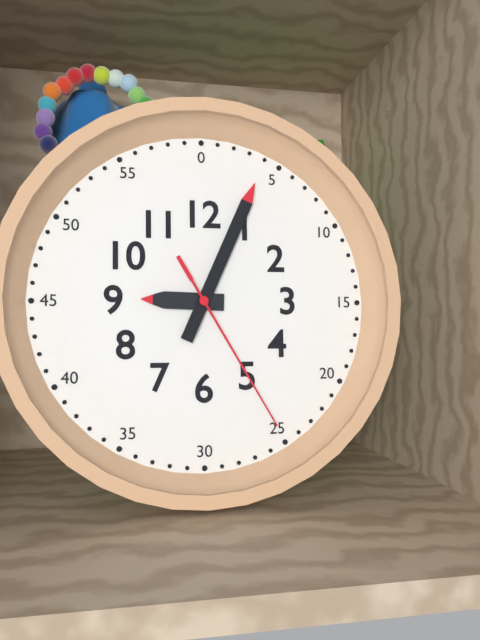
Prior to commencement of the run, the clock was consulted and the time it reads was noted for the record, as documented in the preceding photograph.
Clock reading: 9:04:25
